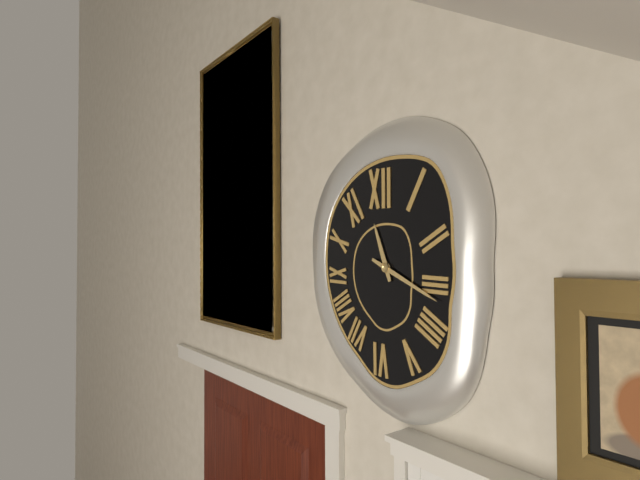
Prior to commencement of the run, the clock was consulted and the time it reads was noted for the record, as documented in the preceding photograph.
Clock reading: 11:19
